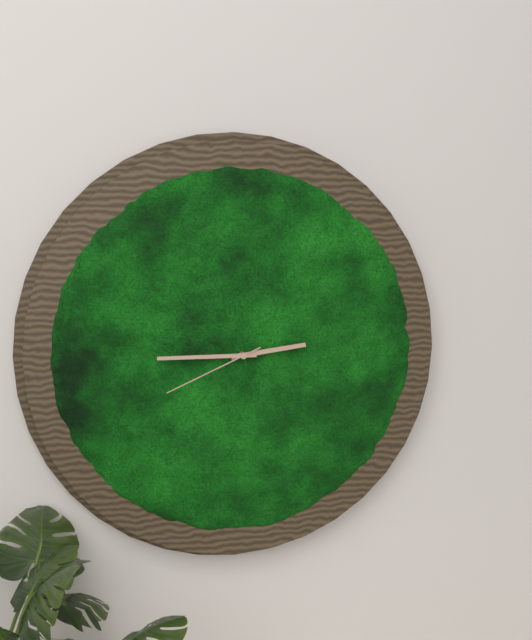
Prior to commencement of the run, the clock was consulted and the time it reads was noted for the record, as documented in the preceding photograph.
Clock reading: 2:45:41
